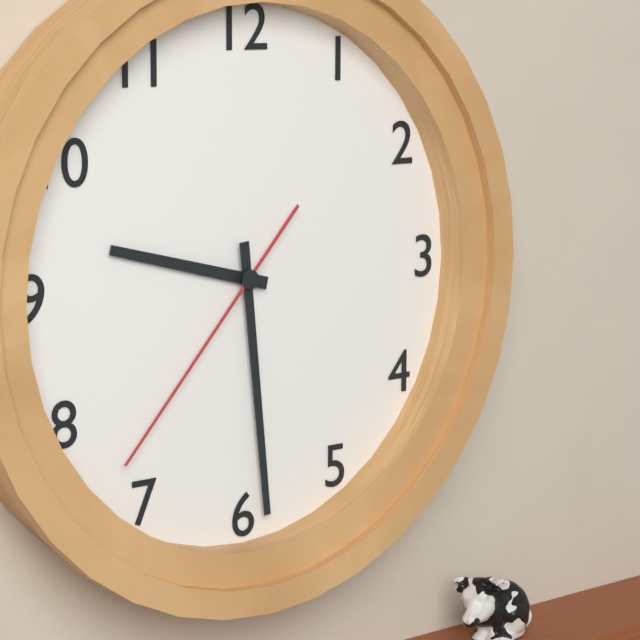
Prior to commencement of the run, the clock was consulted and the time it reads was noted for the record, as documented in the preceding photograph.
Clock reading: 9:29:37
